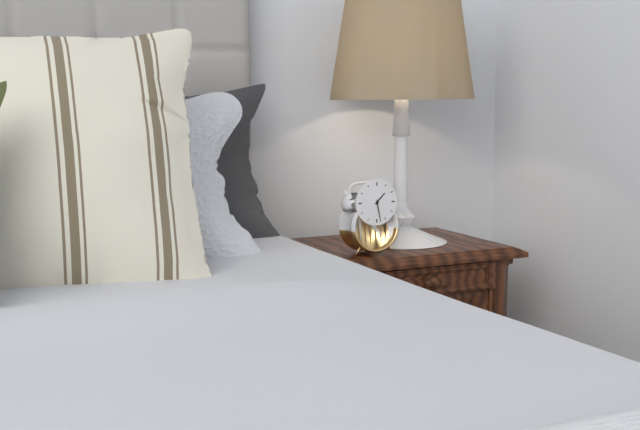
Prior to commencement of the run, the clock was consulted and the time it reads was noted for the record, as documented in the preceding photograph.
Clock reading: 1:28
